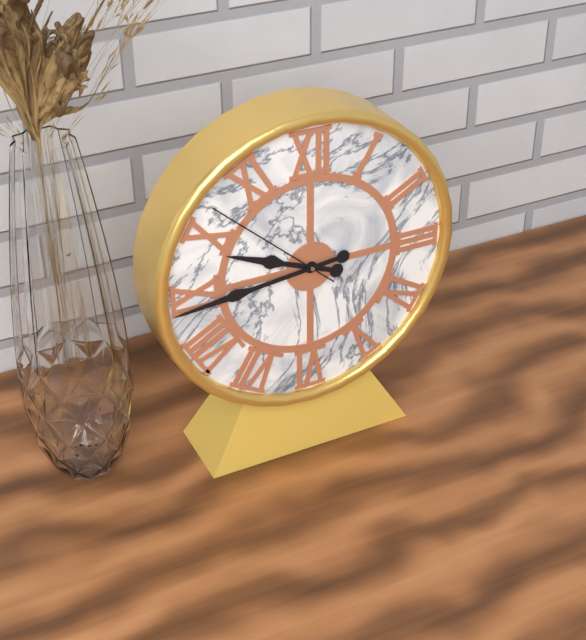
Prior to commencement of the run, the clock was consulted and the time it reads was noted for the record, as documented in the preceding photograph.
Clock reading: 9:44:52
